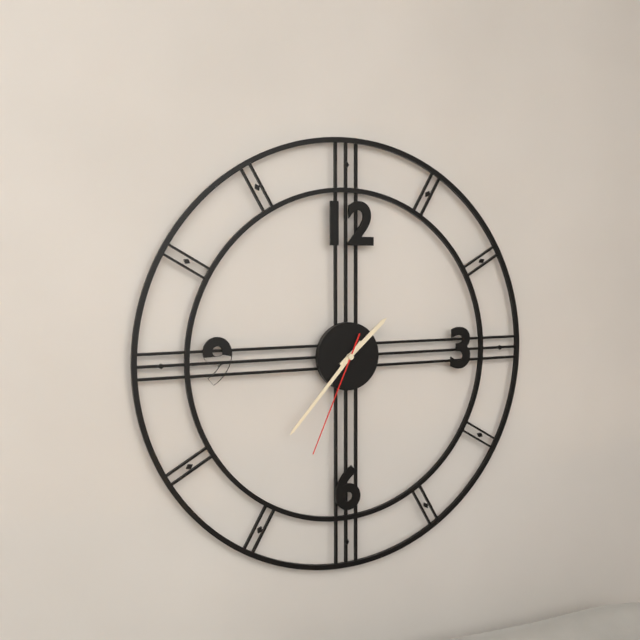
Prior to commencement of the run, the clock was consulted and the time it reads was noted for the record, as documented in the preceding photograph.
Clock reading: 1:37:34
